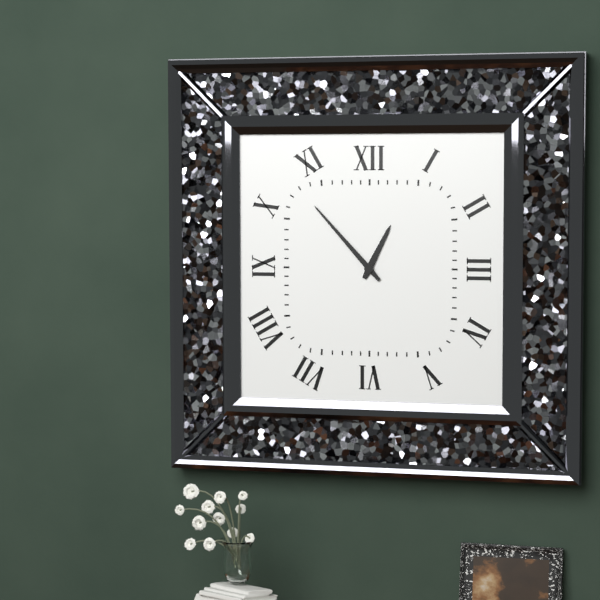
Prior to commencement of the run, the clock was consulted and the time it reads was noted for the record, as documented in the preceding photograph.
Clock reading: 12:53
